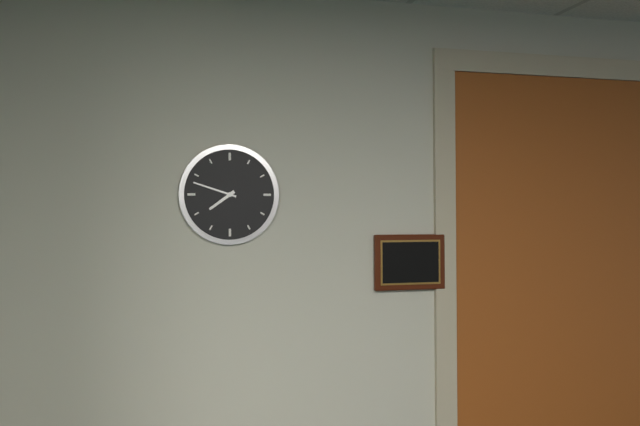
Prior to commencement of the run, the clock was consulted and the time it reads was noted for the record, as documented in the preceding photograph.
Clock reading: 7:48
